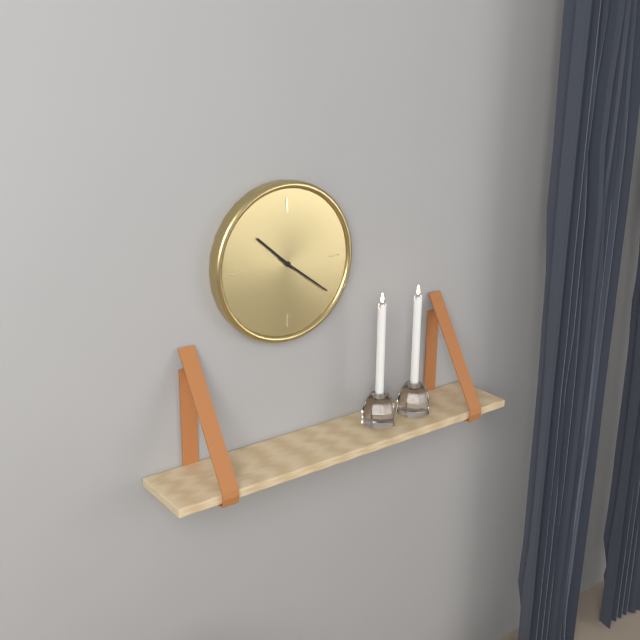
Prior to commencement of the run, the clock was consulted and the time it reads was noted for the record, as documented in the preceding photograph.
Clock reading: 10:21
